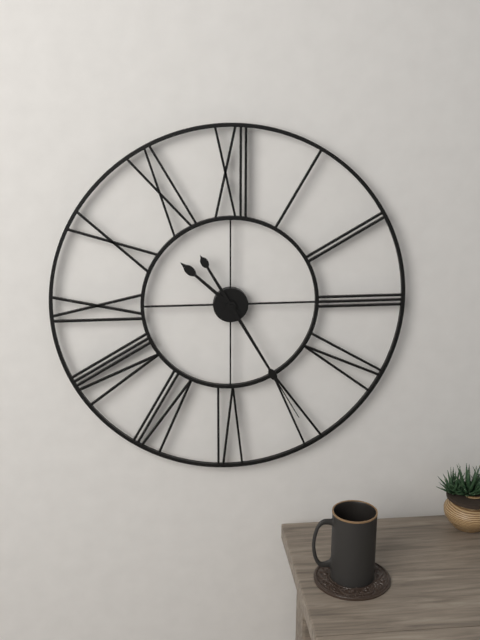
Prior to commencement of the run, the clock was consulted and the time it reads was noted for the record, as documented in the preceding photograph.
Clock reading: 10:25
